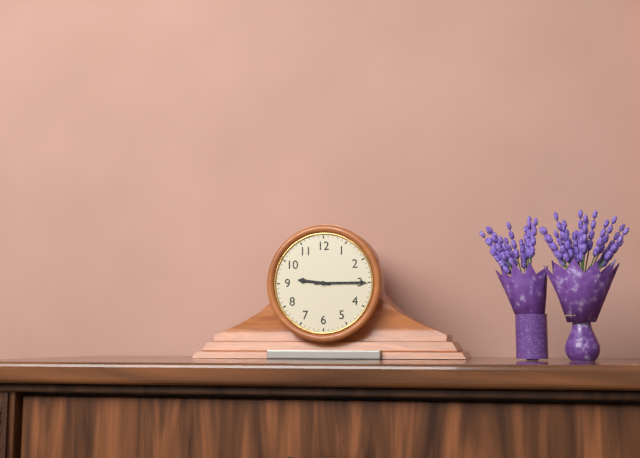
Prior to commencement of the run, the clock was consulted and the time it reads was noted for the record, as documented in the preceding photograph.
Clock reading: 9:15
